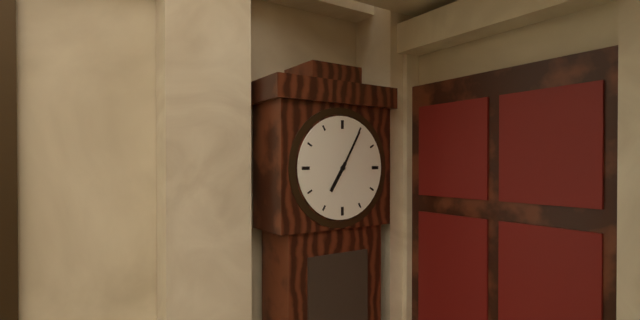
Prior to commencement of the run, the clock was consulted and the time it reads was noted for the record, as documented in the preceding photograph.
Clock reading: 7:05
